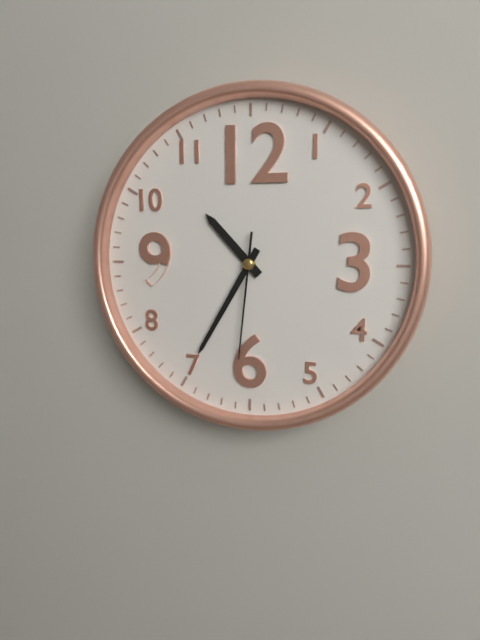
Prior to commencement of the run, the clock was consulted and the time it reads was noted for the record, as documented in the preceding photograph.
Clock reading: 10:35:31
